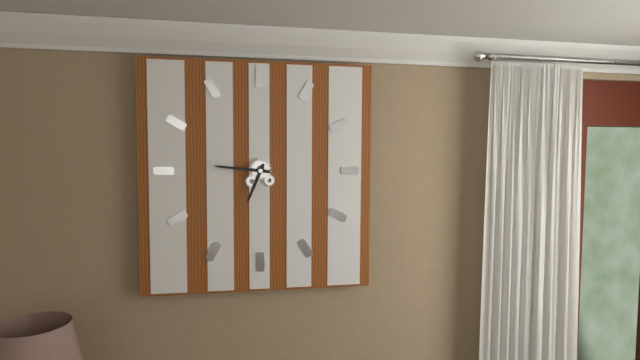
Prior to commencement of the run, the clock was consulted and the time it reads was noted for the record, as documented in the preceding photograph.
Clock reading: 6:46
